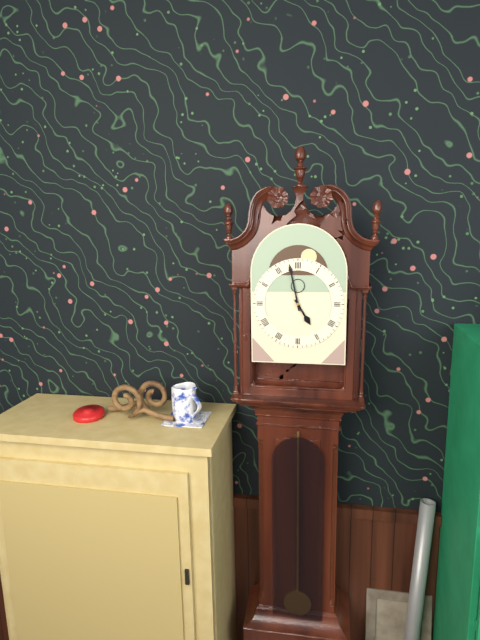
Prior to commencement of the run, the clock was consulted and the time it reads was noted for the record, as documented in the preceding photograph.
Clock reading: 4:58
